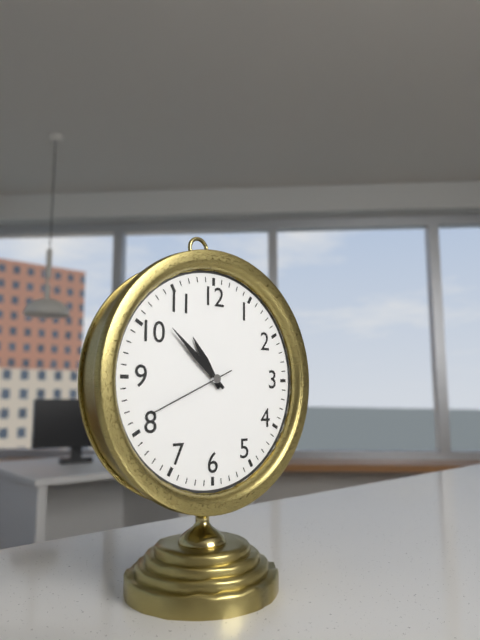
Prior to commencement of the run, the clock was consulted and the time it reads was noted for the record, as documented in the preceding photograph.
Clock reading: 10:52:41
